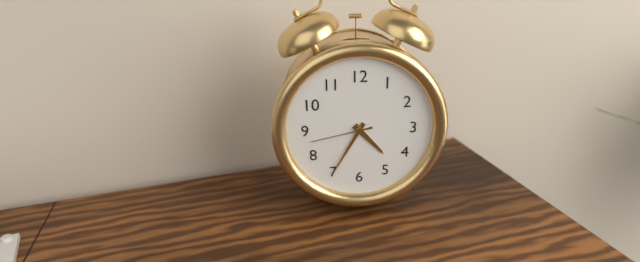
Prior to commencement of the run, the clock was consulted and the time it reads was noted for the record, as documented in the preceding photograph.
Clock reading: 4:35:43
